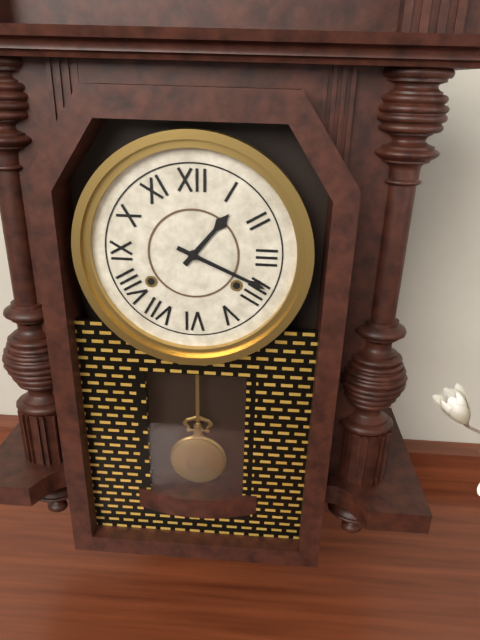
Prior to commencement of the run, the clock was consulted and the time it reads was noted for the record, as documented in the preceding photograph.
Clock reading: 1:19
